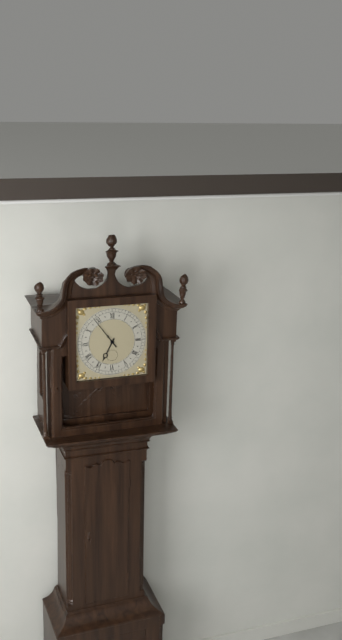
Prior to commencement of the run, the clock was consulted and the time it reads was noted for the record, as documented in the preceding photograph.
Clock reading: 6:54
